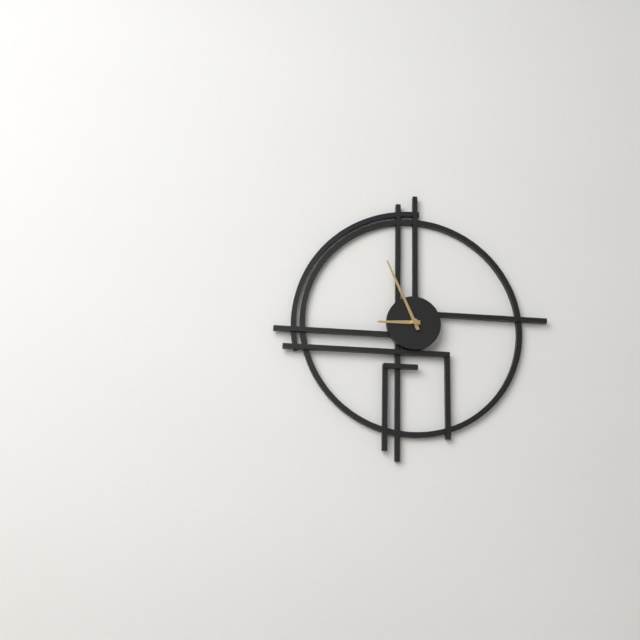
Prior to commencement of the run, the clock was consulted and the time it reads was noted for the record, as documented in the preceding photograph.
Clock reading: 8:56
